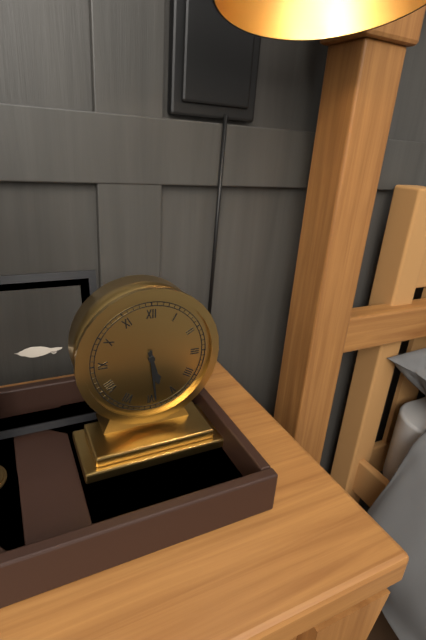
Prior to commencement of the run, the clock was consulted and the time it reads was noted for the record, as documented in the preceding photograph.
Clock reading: 5:29
